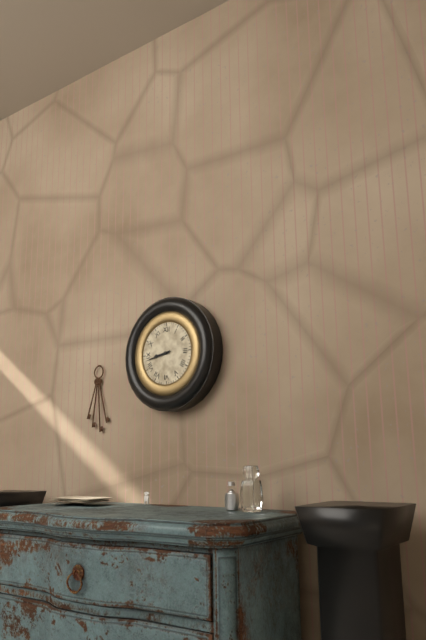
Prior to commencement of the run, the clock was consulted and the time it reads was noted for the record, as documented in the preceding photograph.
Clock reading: 8:43
